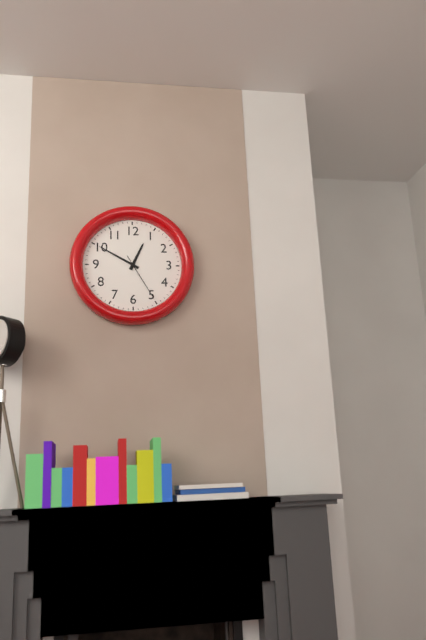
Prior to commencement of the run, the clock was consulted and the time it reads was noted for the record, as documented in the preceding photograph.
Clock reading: 12:50:25
